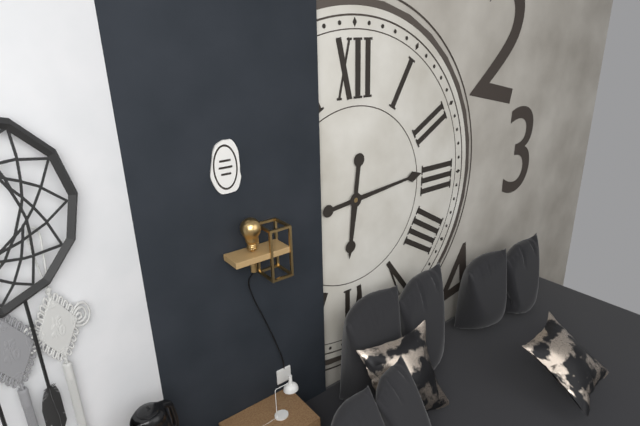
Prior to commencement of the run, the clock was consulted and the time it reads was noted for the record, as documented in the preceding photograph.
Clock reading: 6:14
